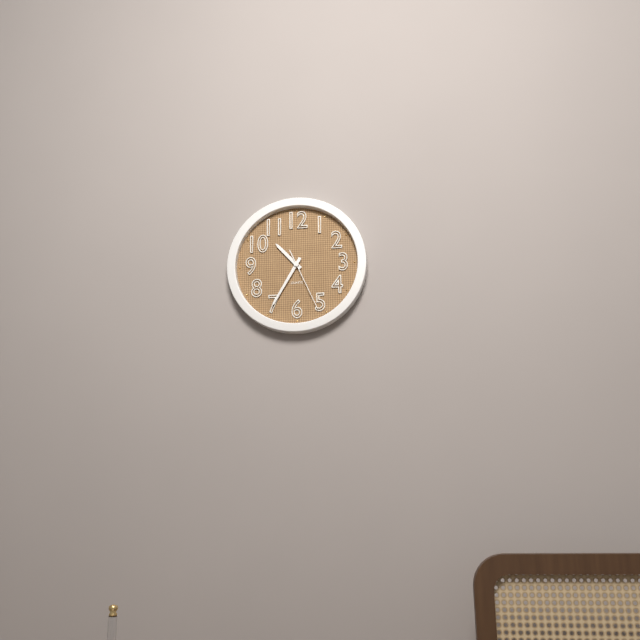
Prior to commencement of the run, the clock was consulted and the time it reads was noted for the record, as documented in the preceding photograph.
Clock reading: 10:35:26
